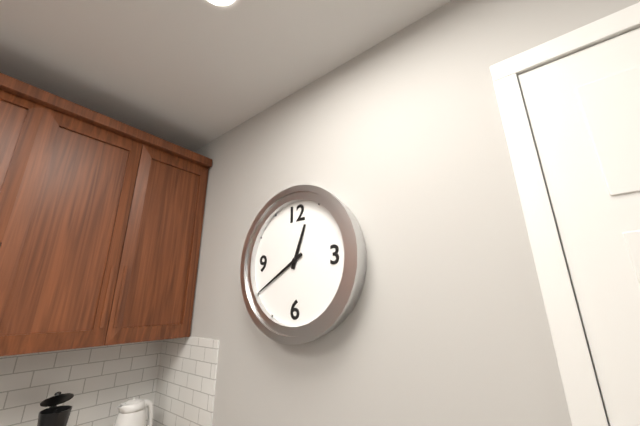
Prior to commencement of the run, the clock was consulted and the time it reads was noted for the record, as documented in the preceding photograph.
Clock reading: 12:40
